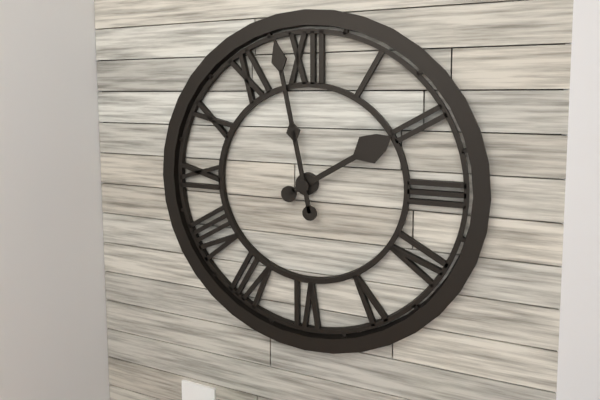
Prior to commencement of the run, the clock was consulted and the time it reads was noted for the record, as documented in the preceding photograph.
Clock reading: 1:58
